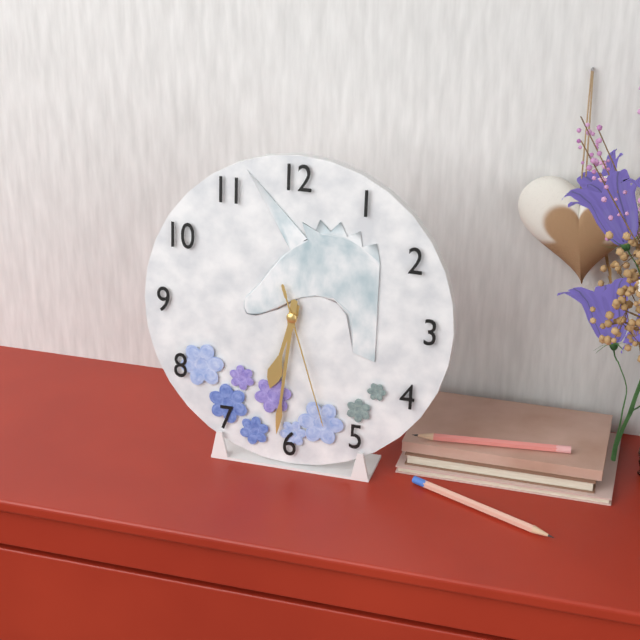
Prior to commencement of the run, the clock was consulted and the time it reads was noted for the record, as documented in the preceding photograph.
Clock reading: 6:31:27
